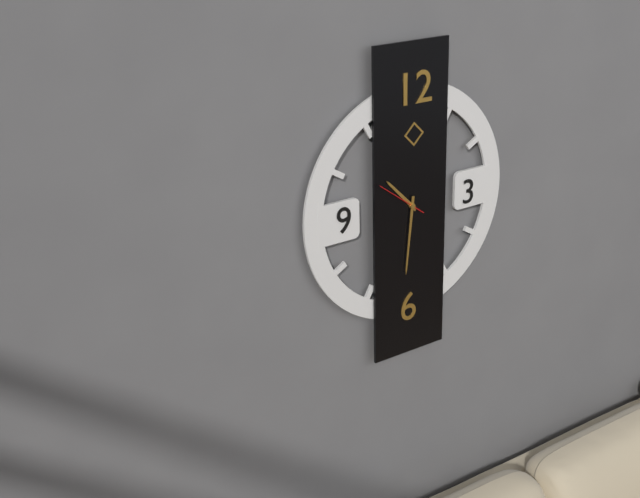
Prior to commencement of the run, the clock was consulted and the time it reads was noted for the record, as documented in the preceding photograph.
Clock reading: 10:31
